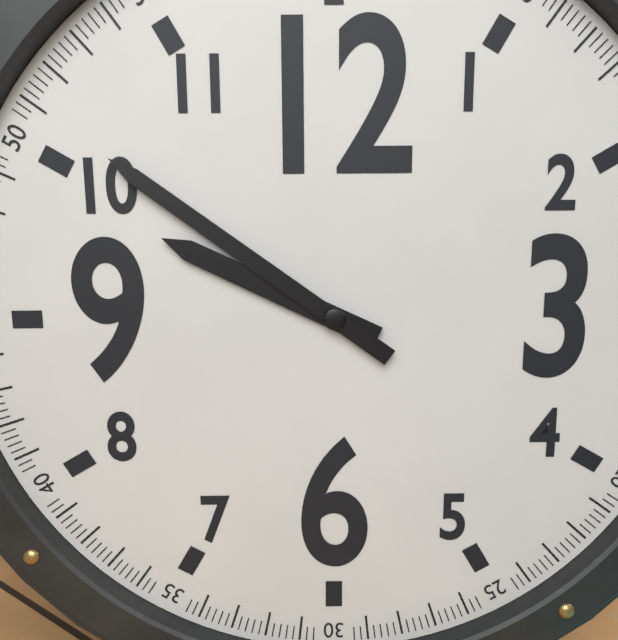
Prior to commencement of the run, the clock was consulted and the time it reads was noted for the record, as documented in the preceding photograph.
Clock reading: 9:51
